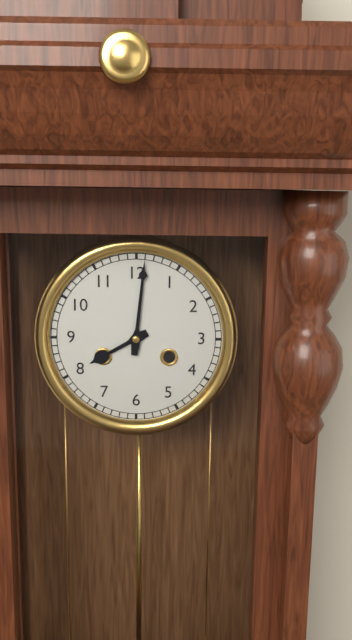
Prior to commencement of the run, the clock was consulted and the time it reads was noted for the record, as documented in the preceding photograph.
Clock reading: 8:01
